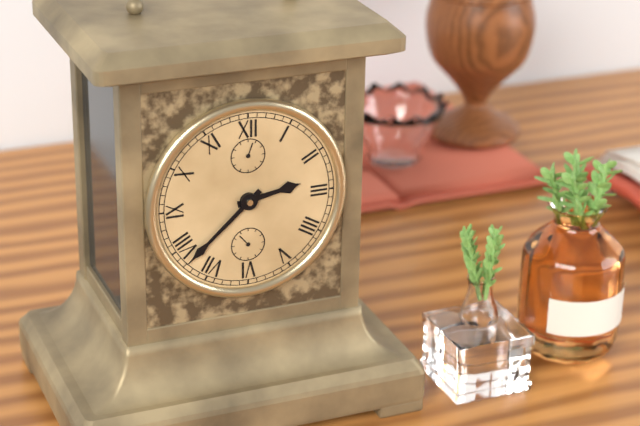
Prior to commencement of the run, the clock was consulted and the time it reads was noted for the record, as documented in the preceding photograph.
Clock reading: 2:38
